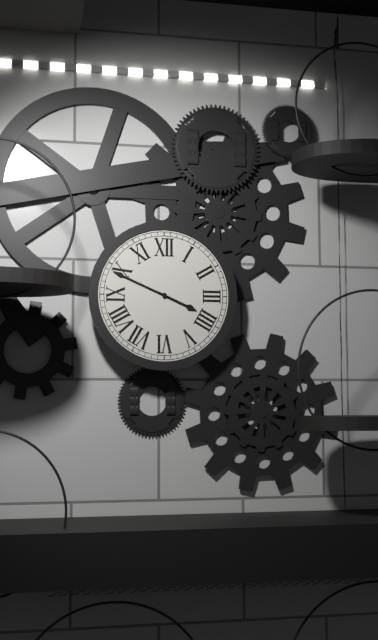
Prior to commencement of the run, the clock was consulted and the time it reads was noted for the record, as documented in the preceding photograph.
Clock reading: 3:49
